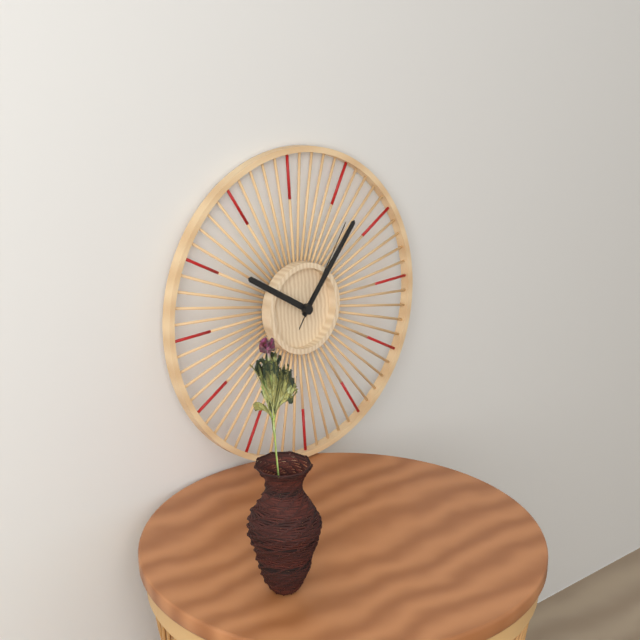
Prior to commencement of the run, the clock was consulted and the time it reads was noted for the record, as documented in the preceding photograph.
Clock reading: 10:07:06
